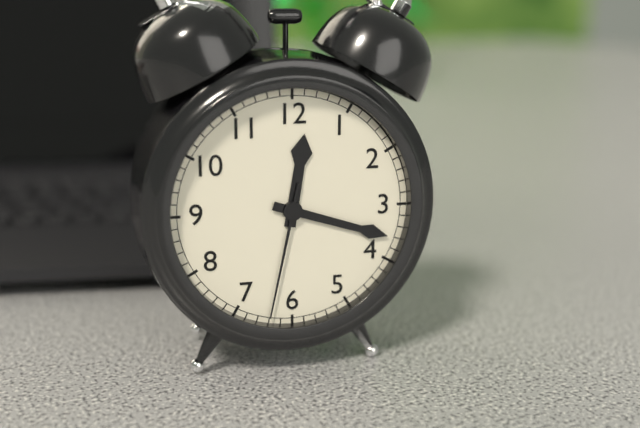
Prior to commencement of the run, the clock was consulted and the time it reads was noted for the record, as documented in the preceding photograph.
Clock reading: 12:18:32
